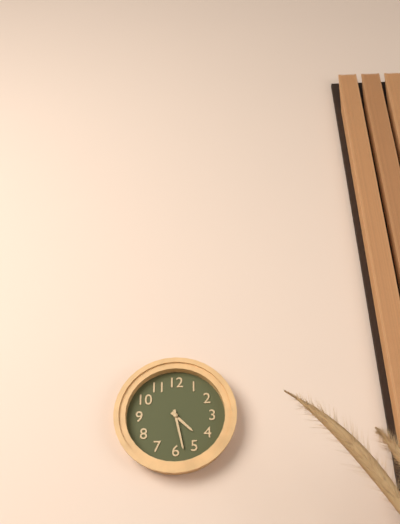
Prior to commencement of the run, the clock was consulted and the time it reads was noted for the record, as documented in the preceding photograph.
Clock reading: 4:28
